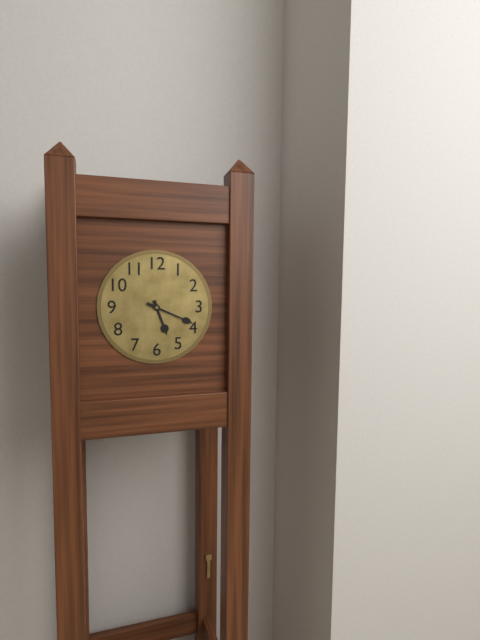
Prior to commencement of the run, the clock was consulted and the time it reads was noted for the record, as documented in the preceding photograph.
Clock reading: 5:19
